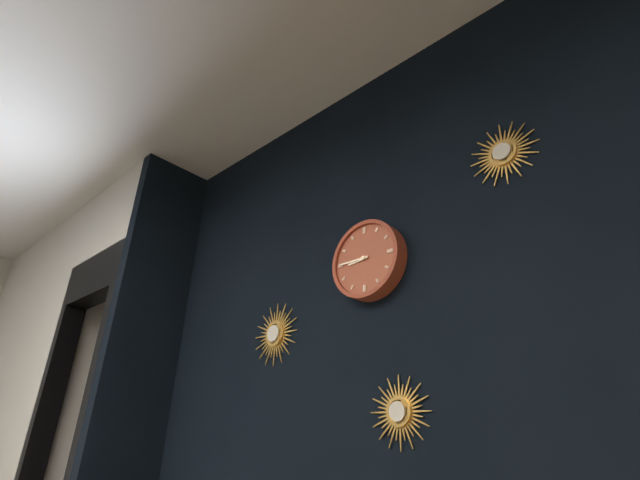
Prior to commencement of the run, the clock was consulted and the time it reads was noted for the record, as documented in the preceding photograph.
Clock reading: 8:45
